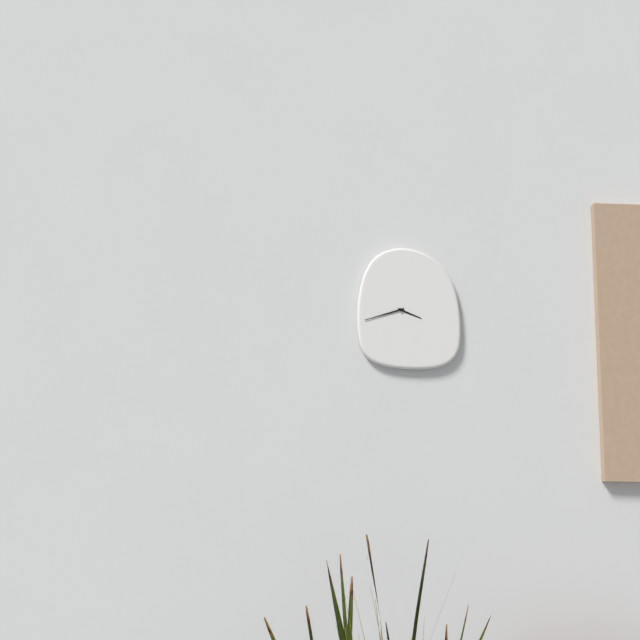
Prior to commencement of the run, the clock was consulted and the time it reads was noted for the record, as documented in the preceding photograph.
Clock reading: 3:42
